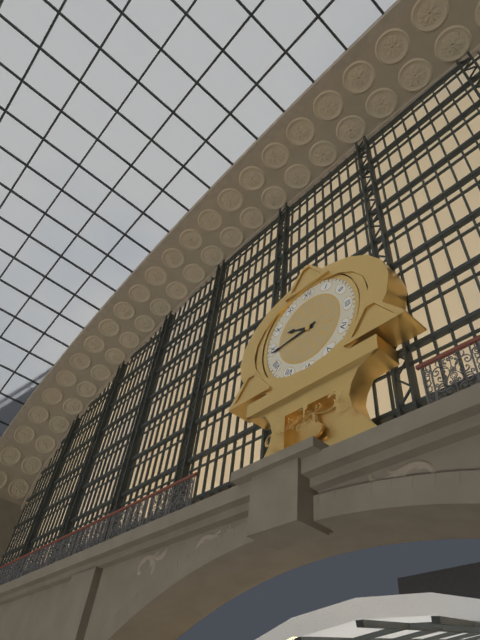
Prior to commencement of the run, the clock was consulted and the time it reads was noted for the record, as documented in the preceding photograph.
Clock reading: 9:44
